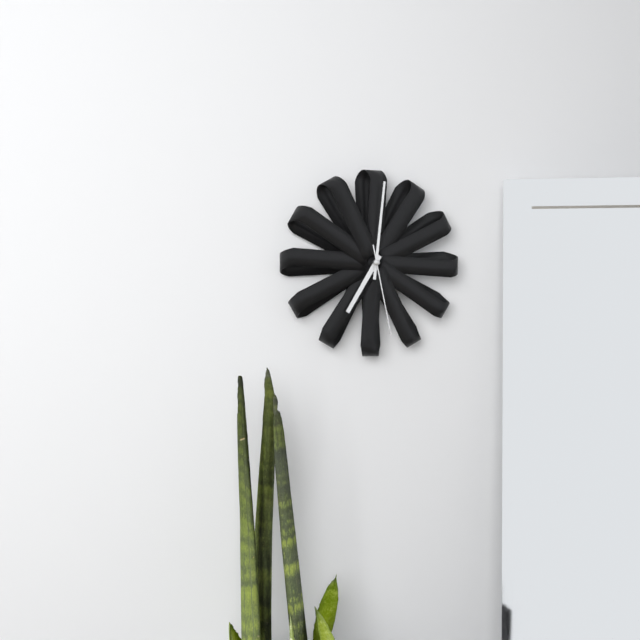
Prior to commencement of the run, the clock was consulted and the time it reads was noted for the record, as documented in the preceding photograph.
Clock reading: 7:01:28
